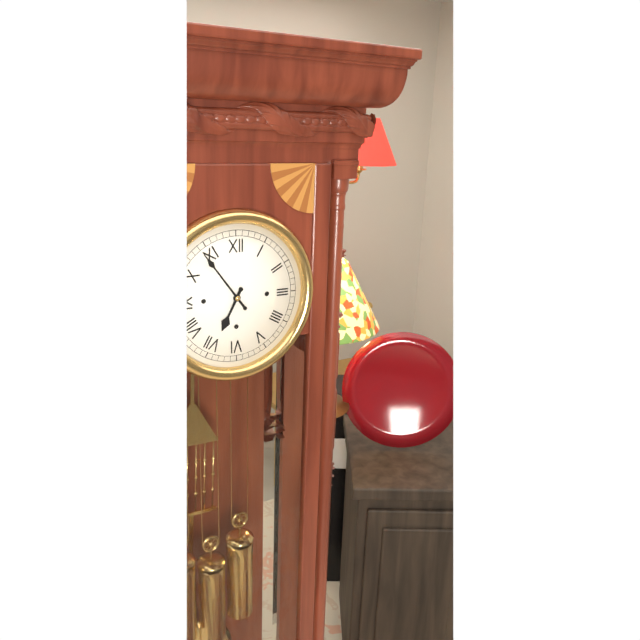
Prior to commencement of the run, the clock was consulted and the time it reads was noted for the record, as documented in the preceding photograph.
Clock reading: 6:54
